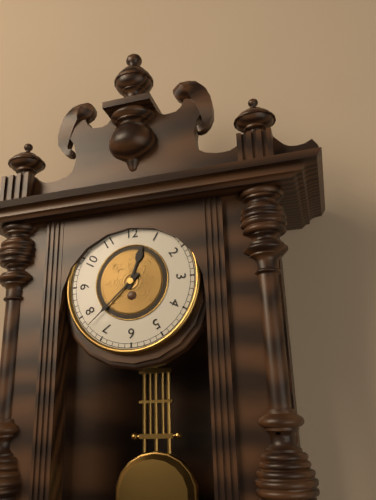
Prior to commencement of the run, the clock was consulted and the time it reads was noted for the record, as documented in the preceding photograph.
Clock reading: 12:38
